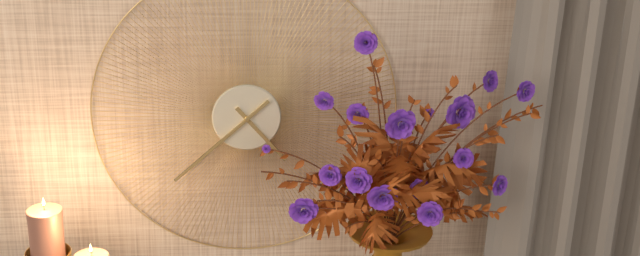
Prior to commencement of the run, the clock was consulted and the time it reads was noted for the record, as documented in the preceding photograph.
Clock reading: 4:38
